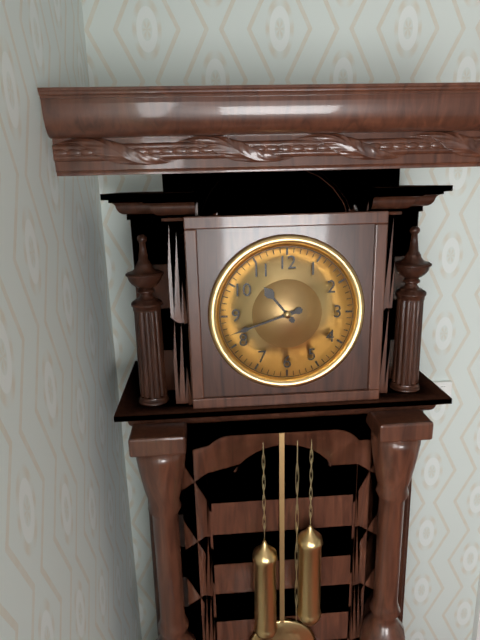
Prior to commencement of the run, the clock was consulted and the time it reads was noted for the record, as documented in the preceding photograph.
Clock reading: 10:42
